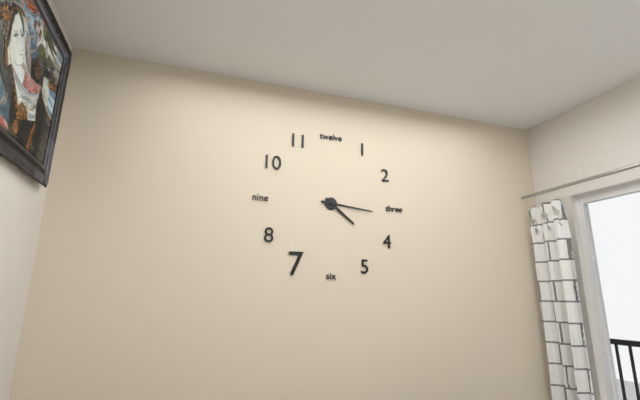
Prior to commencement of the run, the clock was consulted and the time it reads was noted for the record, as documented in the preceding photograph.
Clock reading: 4:16
